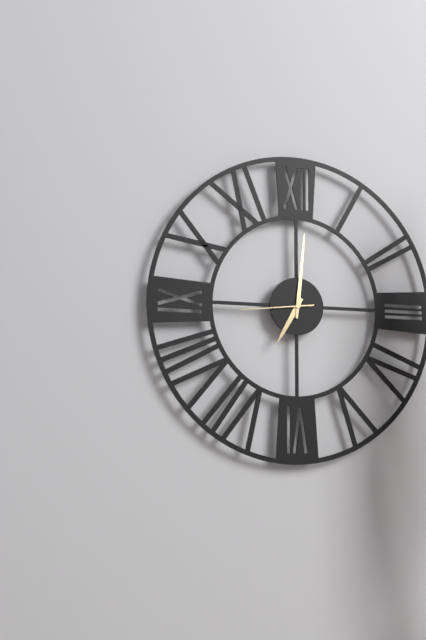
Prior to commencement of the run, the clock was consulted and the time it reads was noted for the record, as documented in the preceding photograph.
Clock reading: 7:01:44
